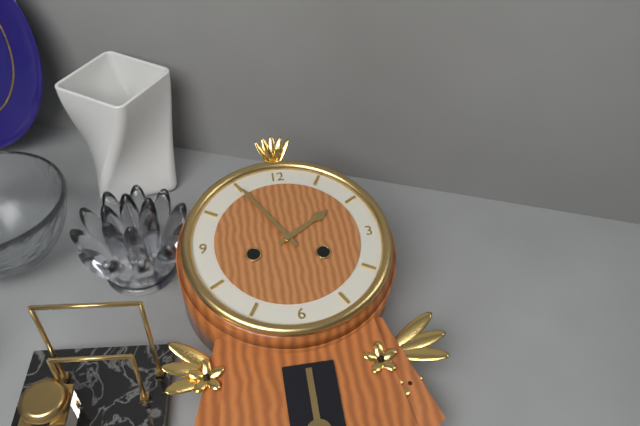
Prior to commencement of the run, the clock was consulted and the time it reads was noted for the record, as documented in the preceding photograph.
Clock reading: 1:55
